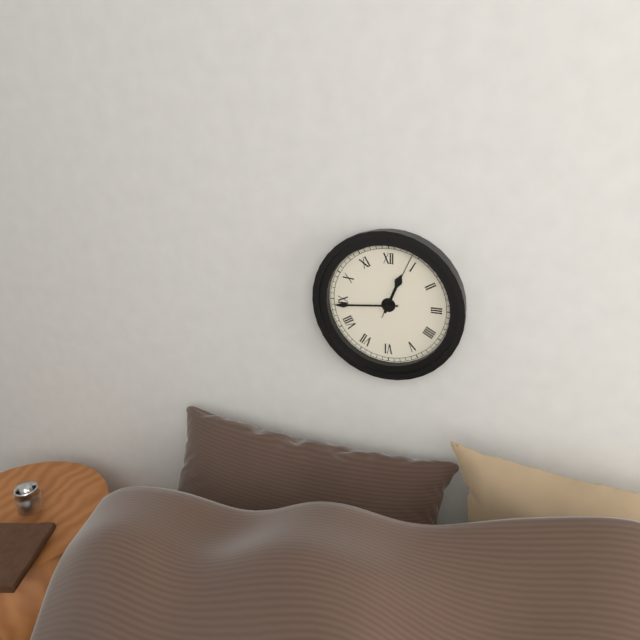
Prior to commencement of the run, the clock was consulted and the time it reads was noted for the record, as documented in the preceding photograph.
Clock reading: 12:44:04
